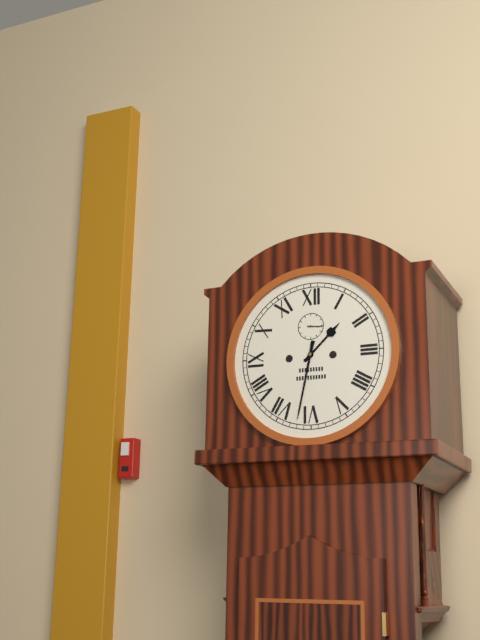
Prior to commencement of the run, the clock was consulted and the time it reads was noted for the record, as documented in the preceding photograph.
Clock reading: 1:32
